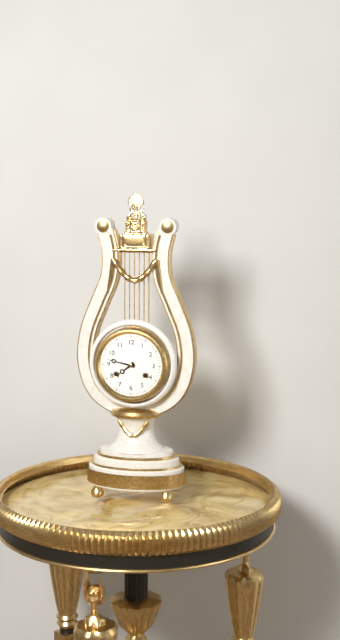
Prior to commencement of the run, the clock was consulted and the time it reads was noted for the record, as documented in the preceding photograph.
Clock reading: 7:47
